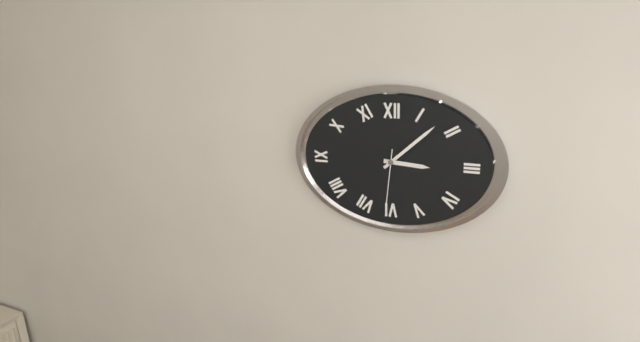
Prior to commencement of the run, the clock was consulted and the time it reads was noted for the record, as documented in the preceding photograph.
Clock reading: 3:08:31
